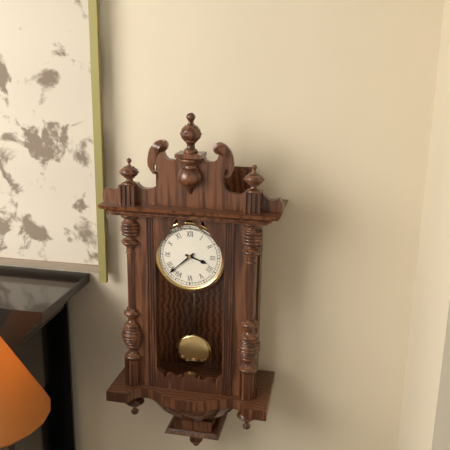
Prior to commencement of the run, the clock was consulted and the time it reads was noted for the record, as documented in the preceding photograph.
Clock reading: 3:38
